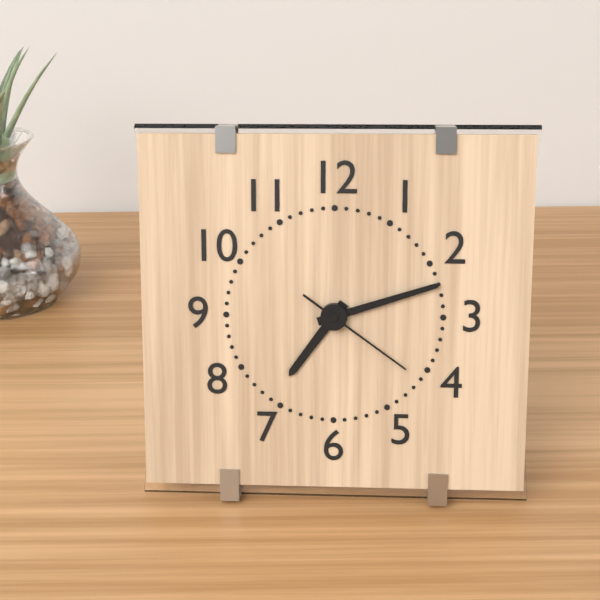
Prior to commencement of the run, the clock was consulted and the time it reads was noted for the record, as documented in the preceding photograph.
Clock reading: 7:12:21
